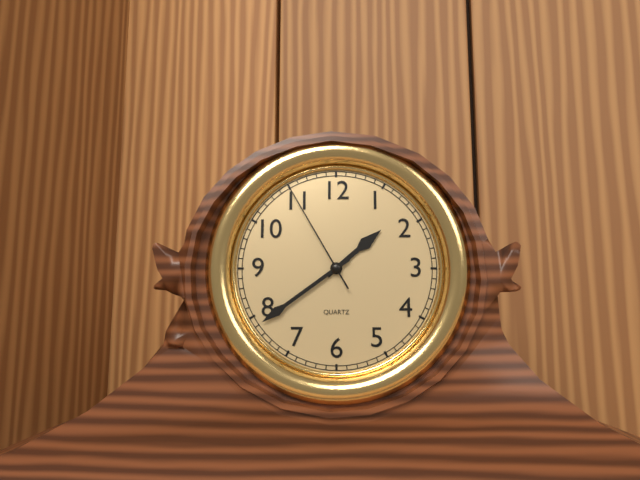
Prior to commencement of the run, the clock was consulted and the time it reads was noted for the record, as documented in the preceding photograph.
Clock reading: 1:39:55
